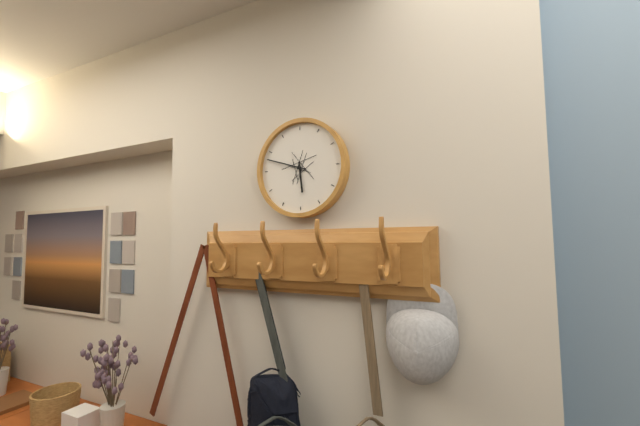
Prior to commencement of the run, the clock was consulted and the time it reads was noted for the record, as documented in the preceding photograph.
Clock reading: 5:48
